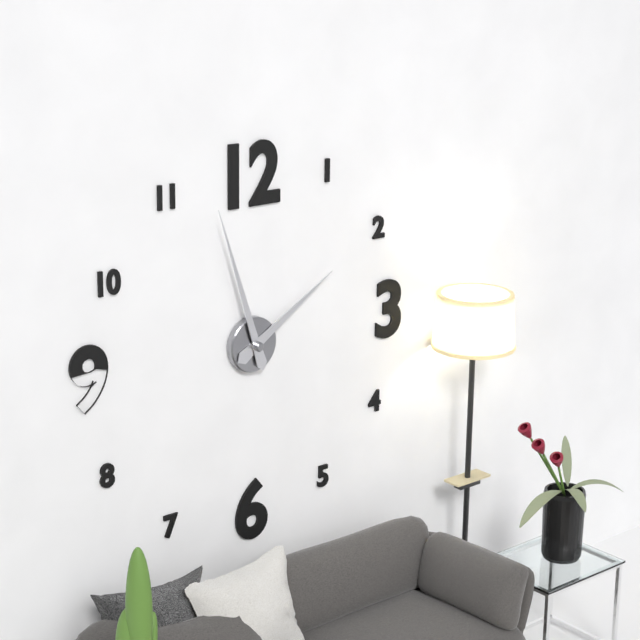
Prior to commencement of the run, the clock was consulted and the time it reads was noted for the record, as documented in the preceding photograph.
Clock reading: 1:57
